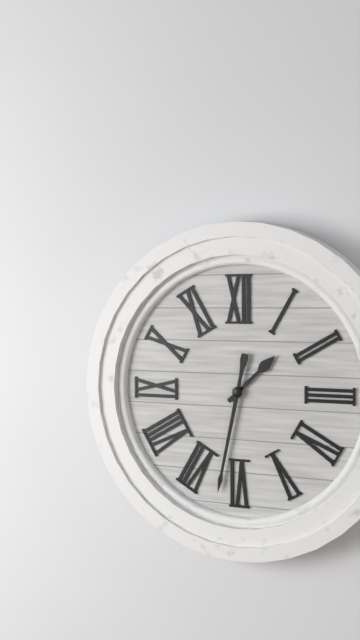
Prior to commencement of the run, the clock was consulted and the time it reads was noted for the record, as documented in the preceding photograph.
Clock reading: 1:32
